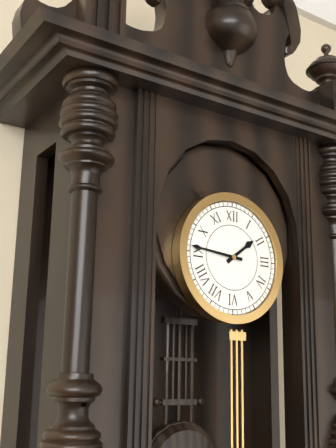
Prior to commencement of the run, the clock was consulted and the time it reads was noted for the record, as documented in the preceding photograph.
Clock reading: 1:46
